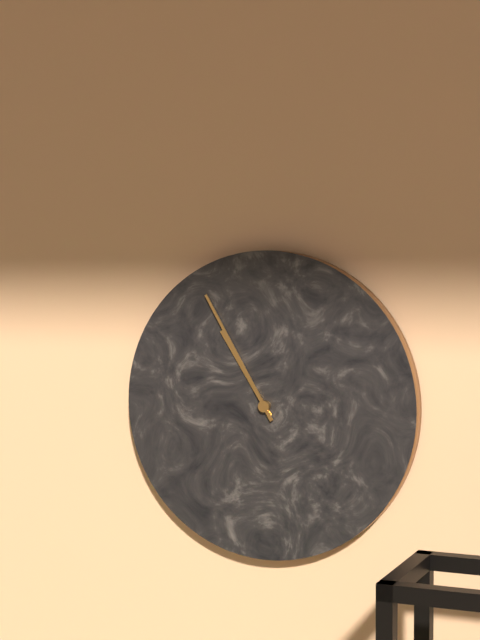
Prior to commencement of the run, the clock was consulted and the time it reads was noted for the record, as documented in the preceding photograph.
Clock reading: 10:55
